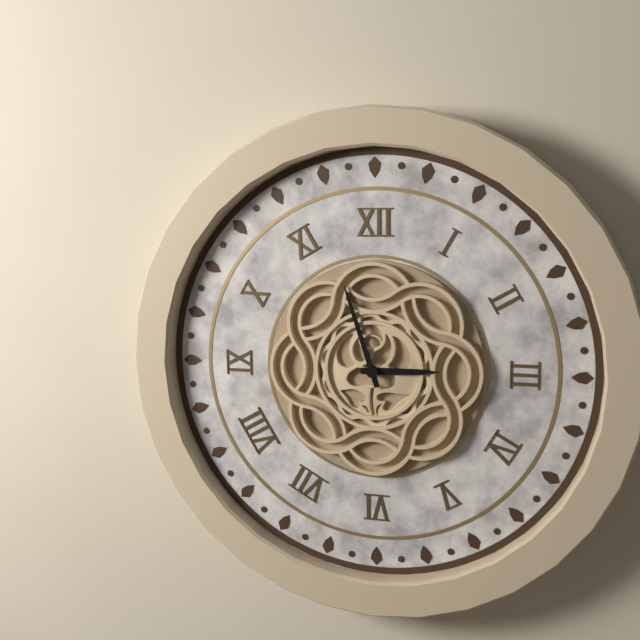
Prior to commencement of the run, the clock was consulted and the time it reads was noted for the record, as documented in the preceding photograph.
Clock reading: 2:57
